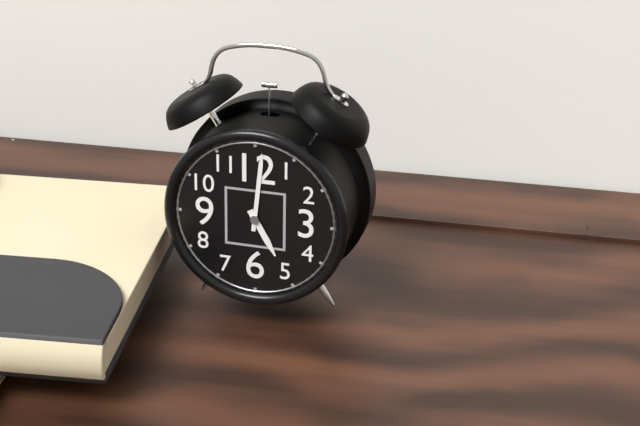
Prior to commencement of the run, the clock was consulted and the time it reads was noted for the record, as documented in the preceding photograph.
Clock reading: 5:01
